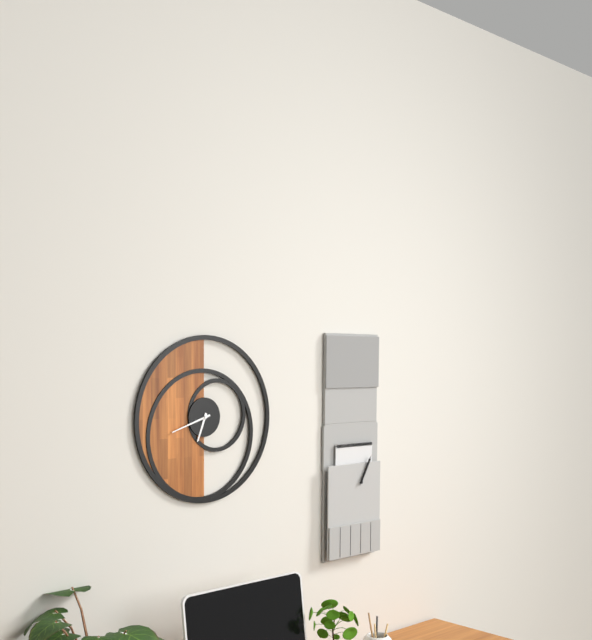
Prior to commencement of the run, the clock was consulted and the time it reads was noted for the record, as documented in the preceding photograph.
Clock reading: 6:42
